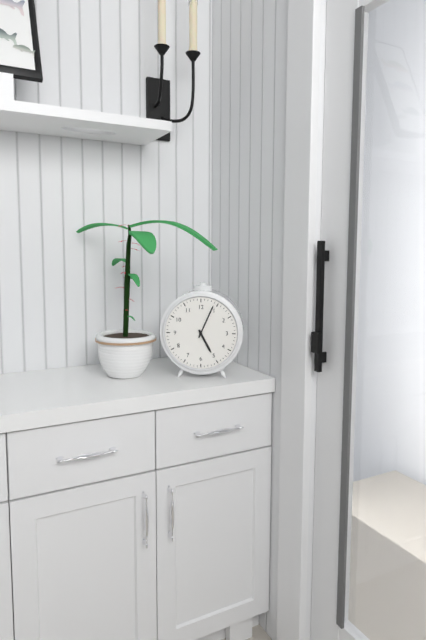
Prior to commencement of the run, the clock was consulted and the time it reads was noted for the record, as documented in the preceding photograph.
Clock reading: 5:04
